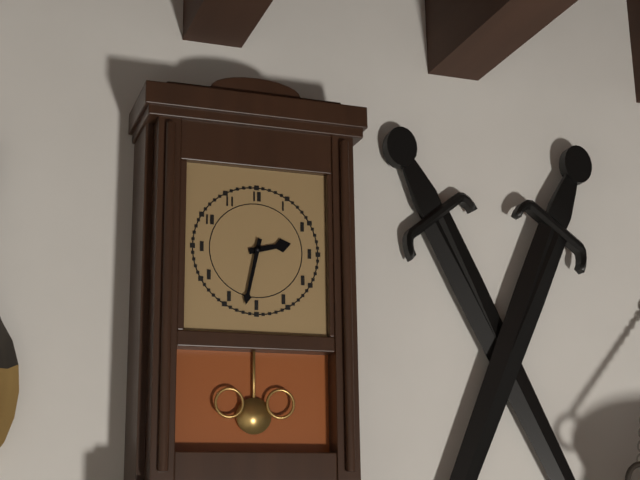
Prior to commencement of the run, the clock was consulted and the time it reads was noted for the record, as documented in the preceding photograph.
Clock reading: 2:32
